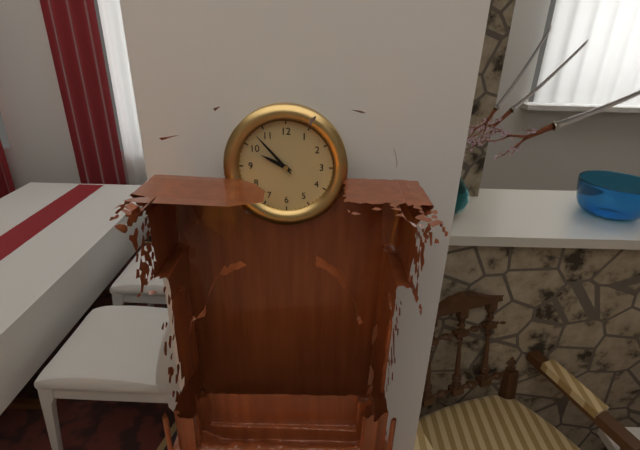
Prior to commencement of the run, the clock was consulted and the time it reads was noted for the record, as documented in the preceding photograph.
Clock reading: 9:53
